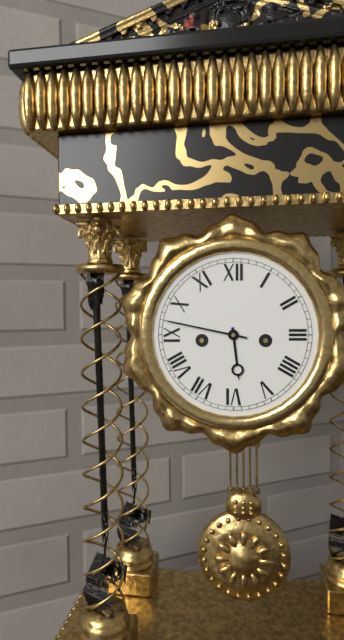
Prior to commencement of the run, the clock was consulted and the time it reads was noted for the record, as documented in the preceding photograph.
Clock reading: 5:47
